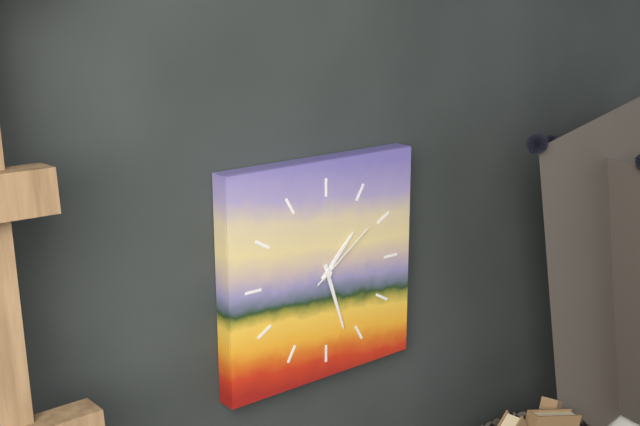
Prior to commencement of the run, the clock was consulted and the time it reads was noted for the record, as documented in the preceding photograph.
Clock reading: 1:27:09
